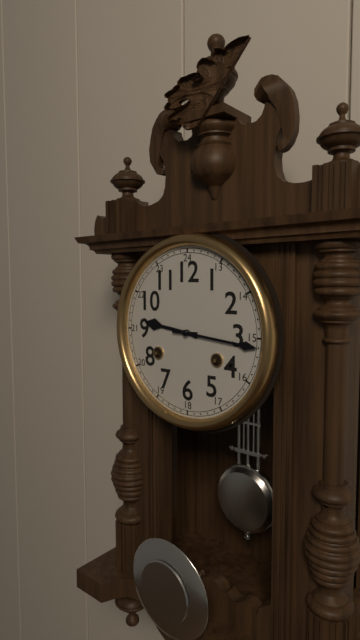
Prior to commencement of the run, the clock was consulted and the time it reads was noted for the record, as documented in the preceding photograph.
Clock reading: 9:16
